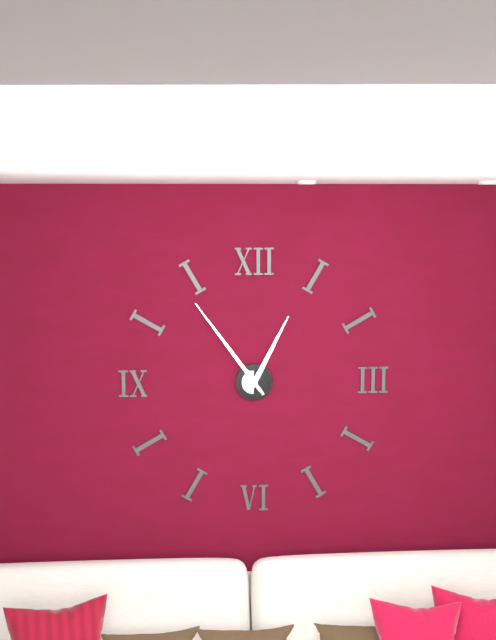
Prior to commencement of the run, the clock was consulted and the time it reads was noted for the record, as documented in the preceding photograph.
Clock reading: 12:54
